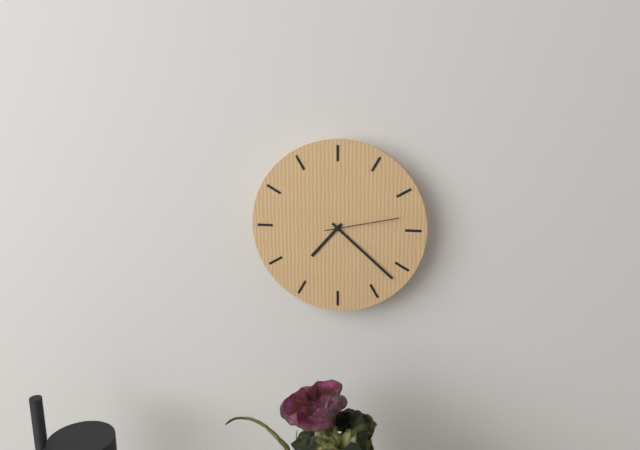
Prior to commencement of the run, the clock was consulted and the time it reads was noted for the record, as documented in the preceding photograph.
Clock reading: 7:22:13
